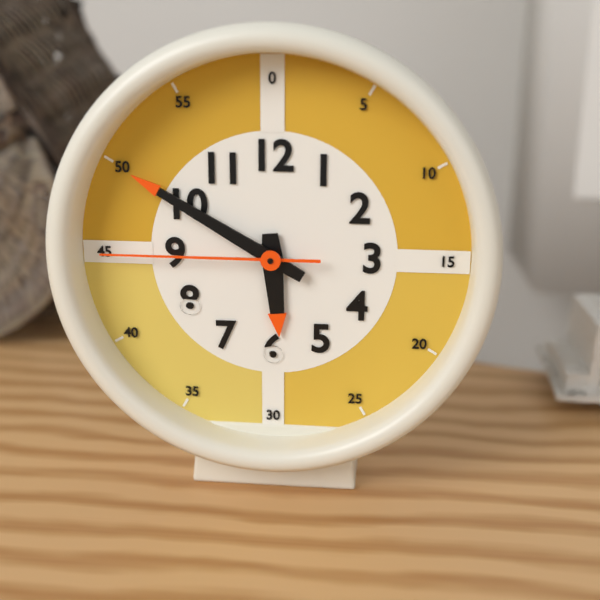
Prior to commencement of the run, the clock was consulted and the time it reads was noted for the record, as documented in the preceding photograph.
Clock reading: 5:50:45
